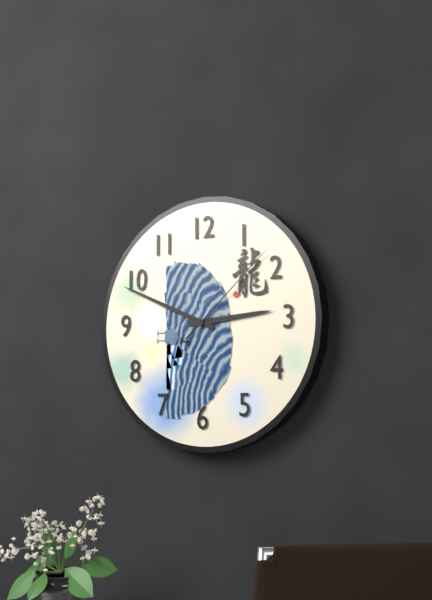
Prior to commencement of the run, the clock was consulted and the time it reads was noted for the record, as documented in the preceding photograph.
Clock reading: 2:49:08
